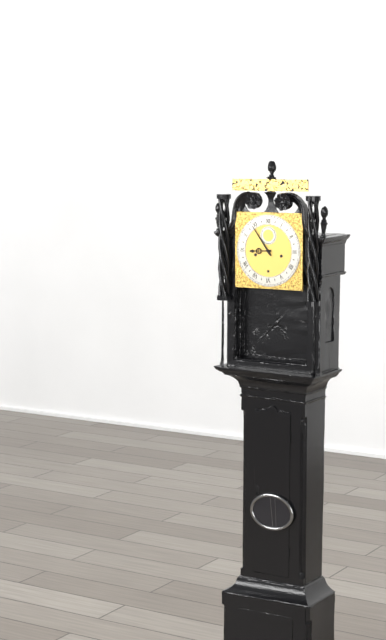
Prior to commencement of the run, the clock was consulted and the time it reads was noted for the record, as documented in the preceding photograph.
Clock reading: 8:54
